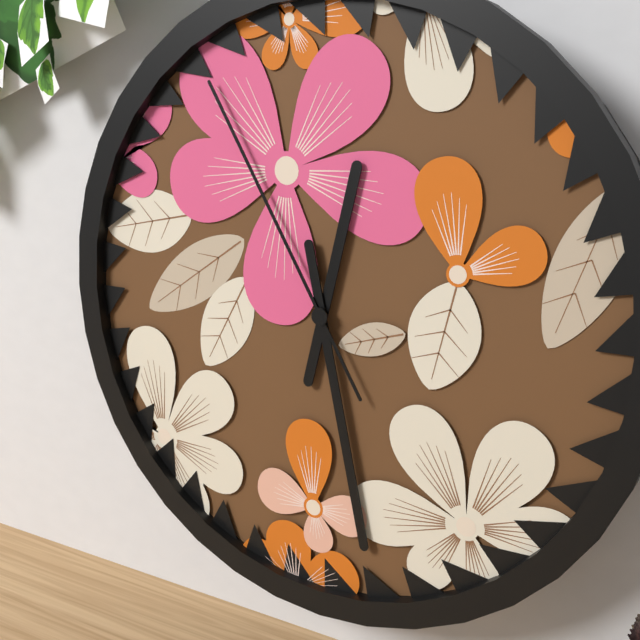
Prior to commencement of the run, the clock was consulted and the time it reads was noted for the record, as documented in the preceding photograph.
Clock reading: 12:28:55
